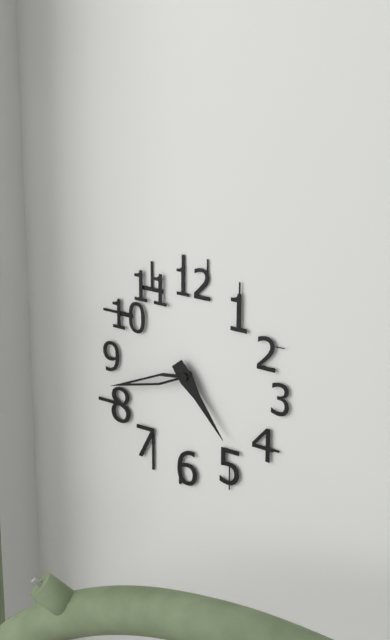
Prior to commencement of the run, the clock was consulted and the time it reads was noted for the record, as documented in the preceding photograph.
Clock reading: 4:42
